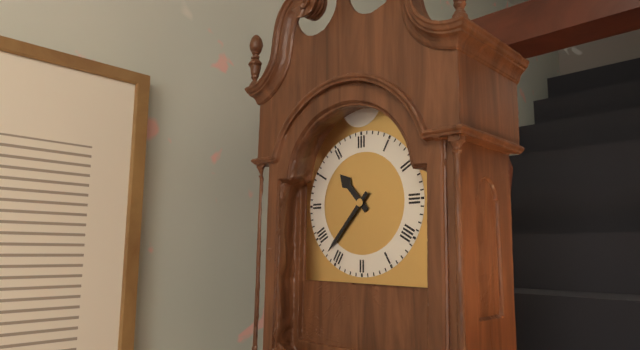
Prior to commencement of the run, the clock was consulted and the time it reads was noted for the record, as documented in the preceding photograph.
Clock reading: 10:37
